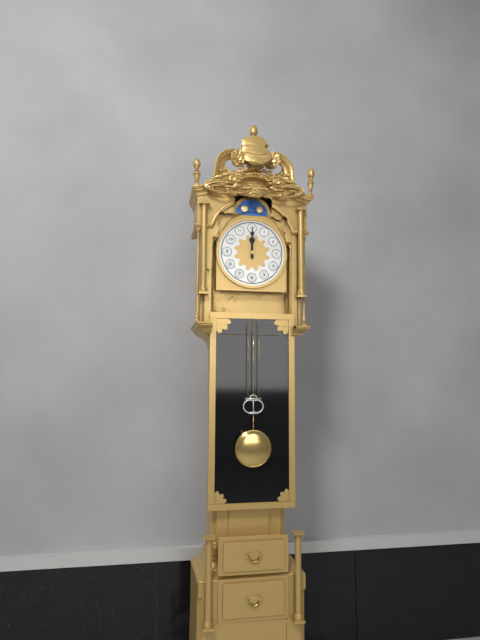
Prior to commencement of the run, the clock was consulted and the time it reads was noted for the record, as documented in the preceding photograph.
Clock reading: 12:00
